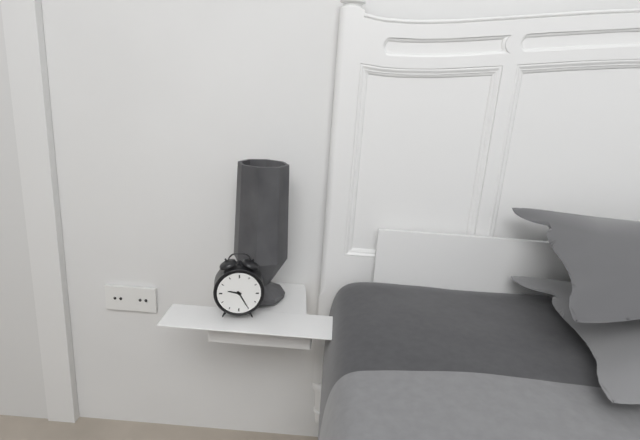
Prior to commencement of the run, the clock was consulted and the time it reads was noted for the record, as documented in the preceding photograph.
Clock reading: 9:25
